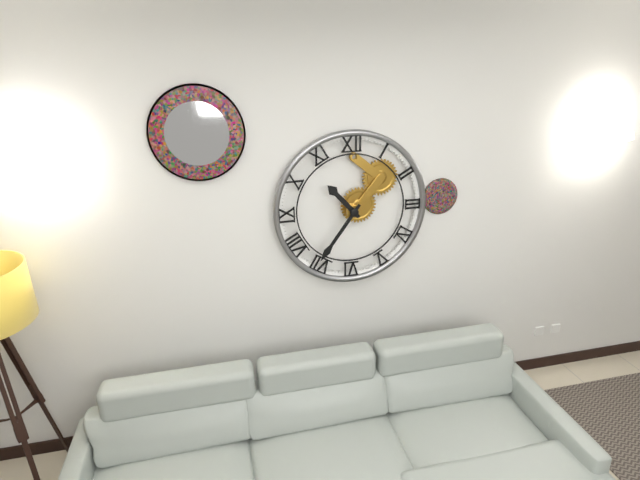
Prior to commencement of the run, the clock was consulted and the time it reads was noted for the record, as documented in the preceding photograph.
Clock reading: 10:36
